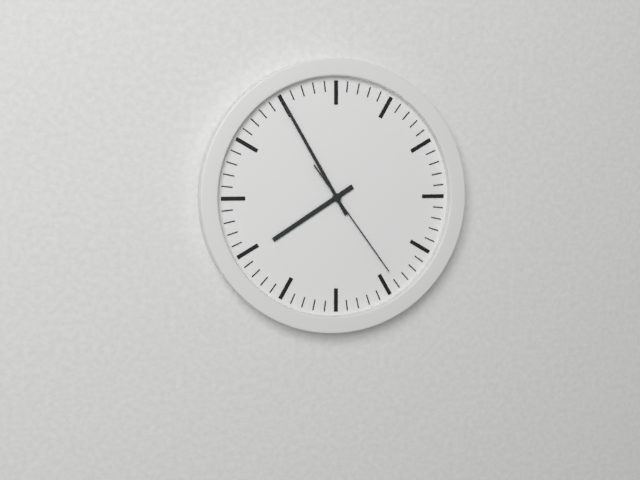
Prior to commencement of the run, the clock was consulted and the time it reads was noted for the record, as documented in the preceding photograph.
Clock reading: 7:55:24
